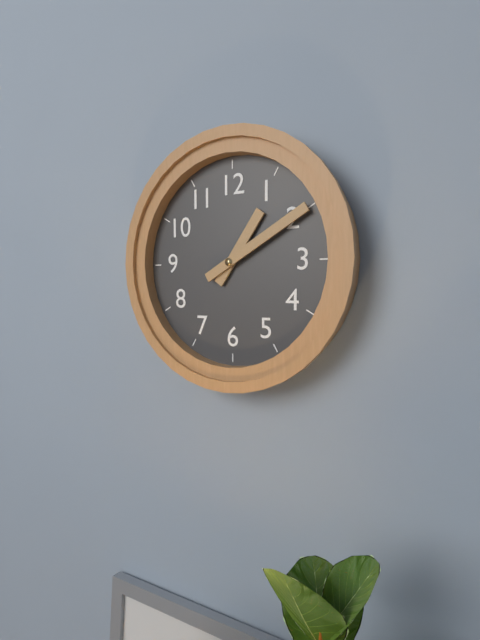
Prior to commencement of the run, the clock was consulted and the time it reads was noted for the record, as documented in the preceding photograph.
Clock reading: 1:10
